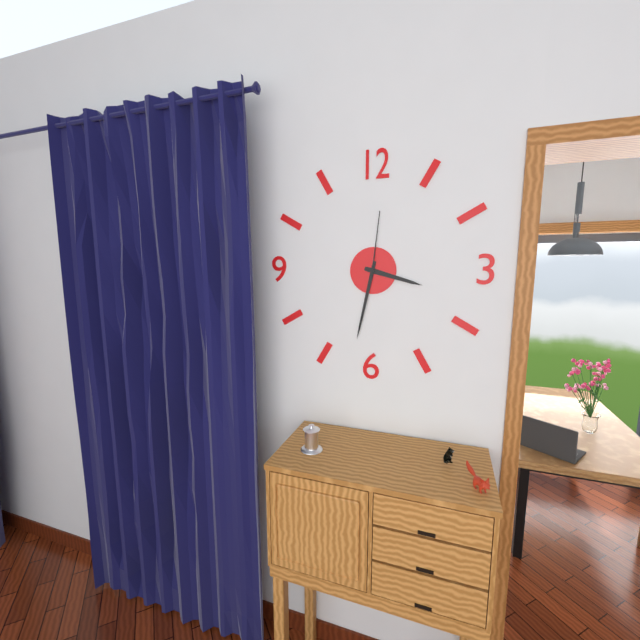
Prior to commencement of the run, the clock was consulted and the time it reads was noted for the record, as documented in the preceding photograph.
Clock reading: 3:32:01
